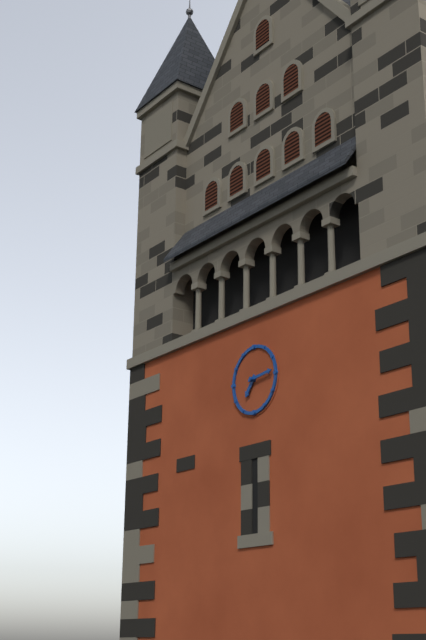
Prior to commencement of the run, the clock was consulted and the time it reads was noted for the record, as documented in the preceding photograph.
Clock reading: 7:14
